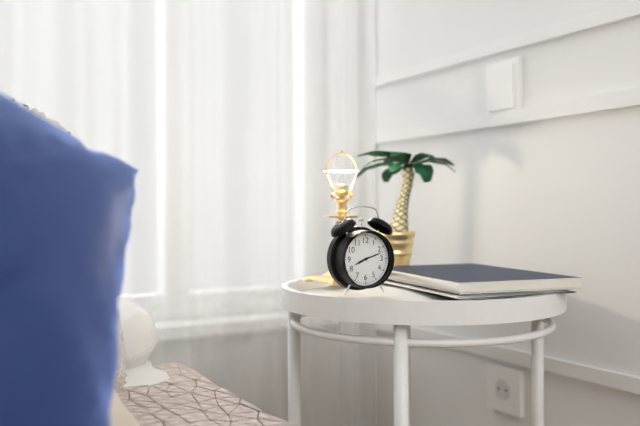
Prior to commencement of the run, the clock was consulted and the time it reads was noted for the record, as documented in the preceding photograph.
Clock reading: 8:12
